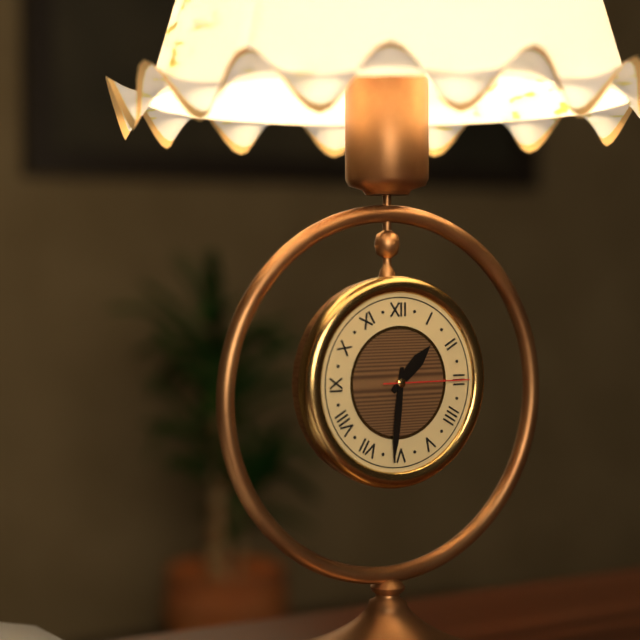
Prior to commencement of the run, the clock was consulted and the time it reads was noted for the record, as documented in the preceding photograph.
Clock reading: 1:31:15
